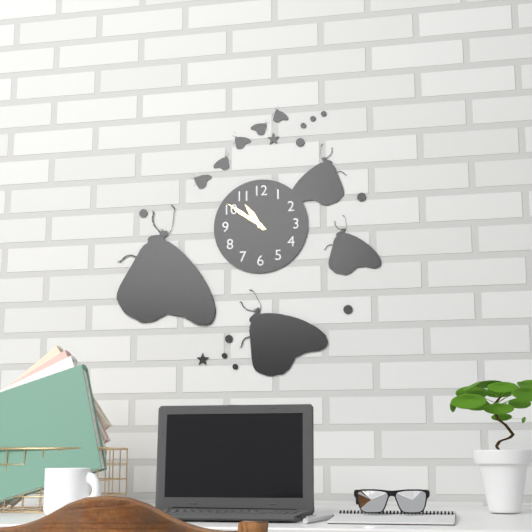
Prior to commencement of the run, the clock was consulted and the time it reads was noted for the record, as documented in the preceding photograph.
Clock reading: 10:51
